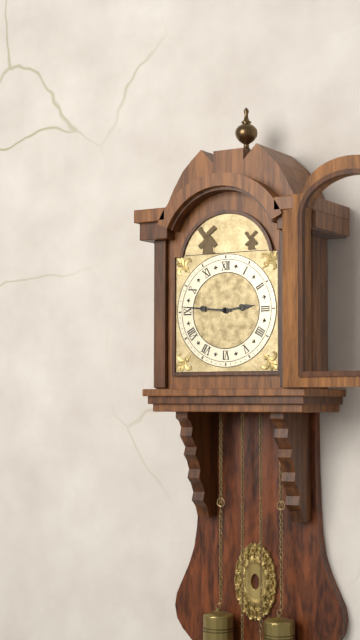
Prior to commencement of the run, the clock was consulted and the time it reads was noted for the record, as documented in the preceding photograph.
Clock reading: 2:46
